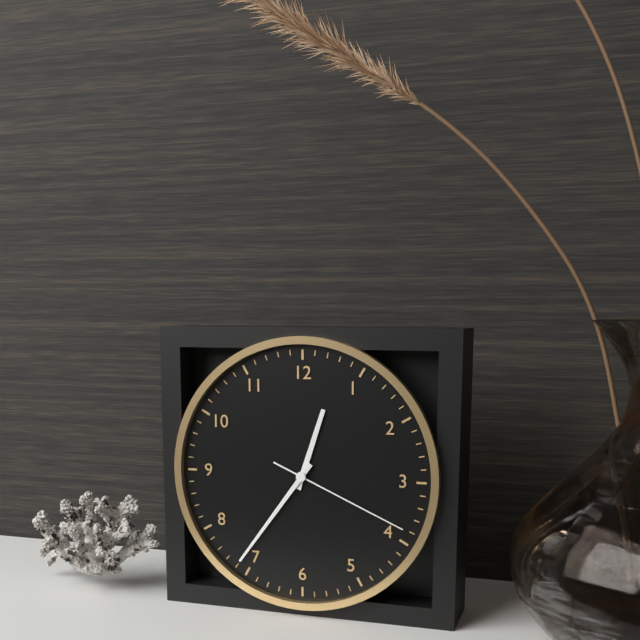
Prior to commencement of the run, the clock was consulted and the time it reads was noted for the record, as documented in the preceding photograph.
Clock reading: 12:36:19
